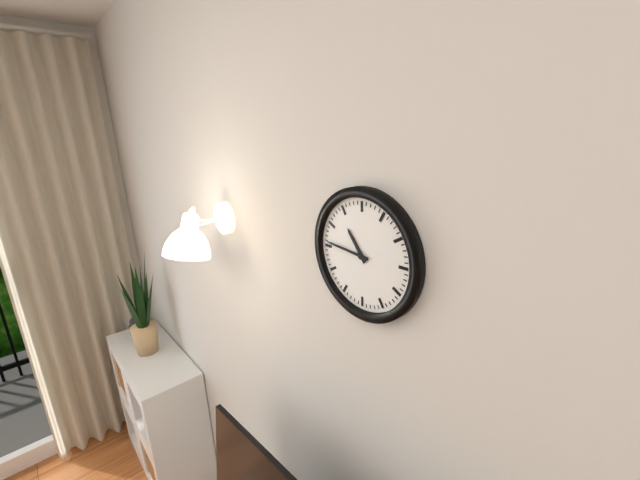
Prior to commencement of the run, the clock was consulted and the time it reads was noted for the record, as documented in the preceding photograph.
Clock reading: 10:46
